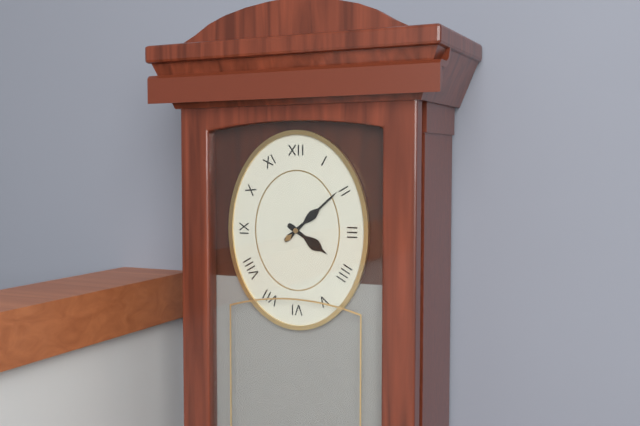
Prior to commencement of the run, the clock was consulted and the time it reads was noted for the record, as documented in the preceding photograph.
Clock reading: 4:08
